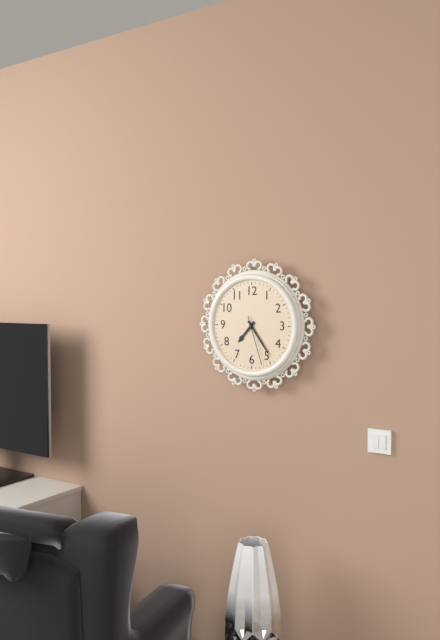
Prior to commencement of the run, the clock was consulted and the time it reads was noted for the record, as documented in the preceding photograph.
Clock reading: 7:24:27
